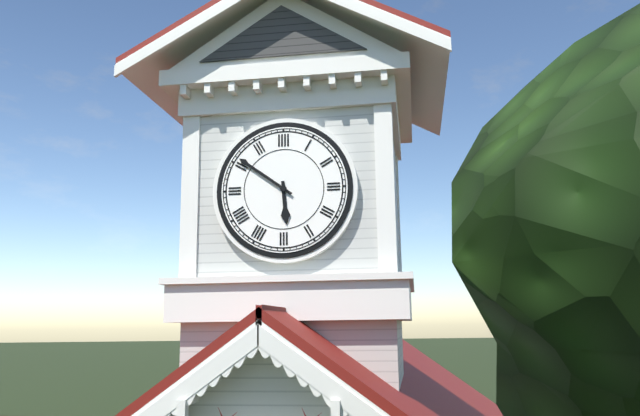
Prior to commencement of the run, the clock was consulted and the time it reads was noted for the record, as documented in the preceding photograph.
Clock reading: 5:51
